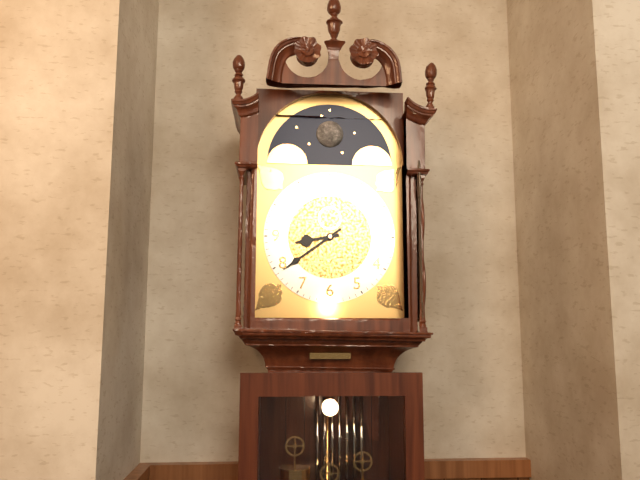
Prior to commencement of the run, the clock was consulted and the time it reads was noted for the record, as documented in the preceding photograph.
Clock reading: 8:39
